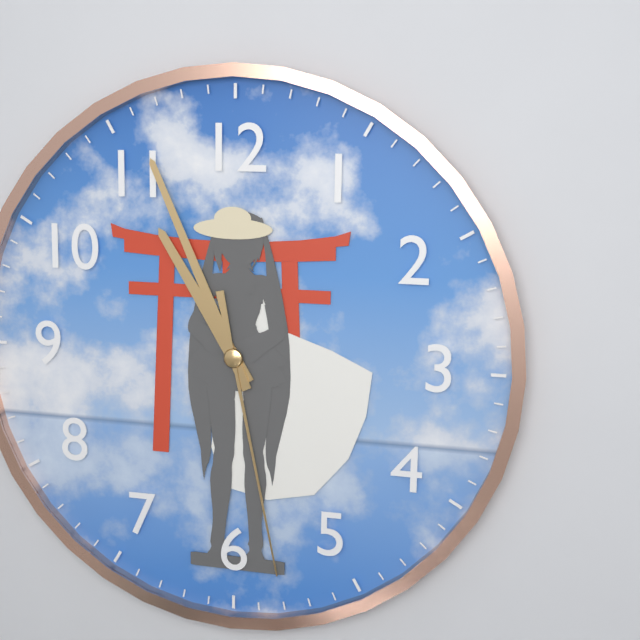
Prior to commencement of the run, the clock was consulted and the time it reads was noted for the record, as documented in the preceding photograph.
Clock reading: 10:56:28
